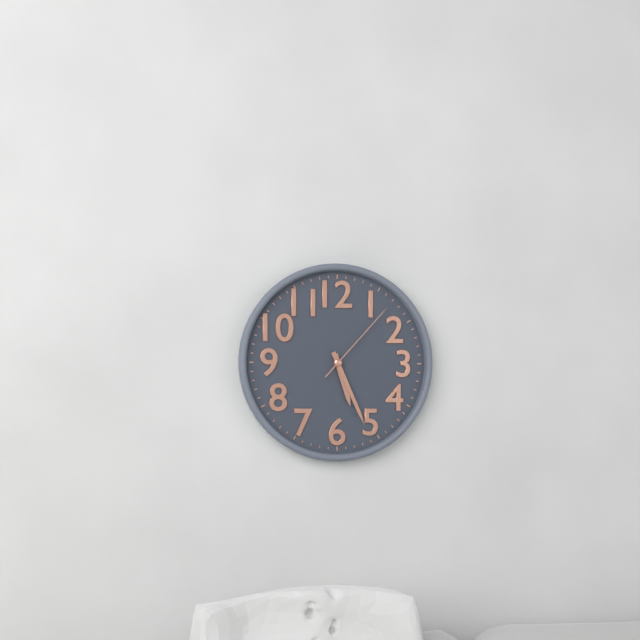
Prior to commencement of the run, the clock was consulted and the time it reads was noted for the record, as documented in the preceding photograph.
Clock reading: 5:26:07
